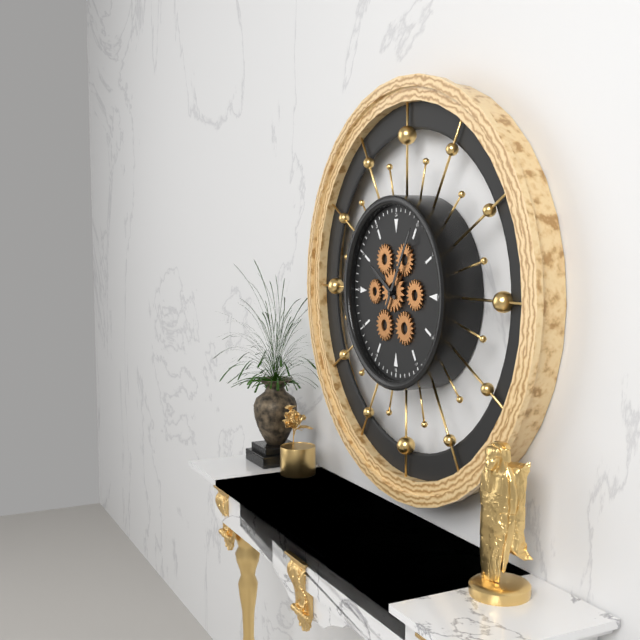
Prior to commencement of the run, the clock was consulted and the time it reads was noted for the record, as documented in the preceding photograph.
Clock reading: 10:05
